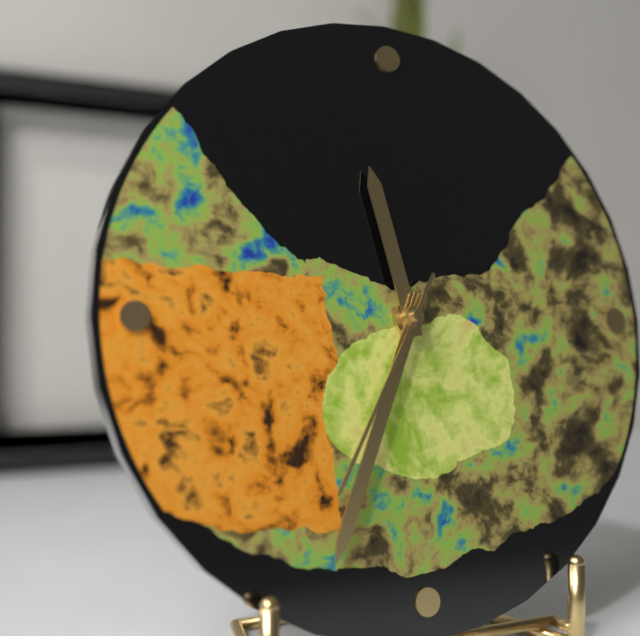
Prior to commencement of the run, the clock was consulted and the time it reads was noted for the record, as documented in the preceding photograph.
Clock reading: 11:34:35
